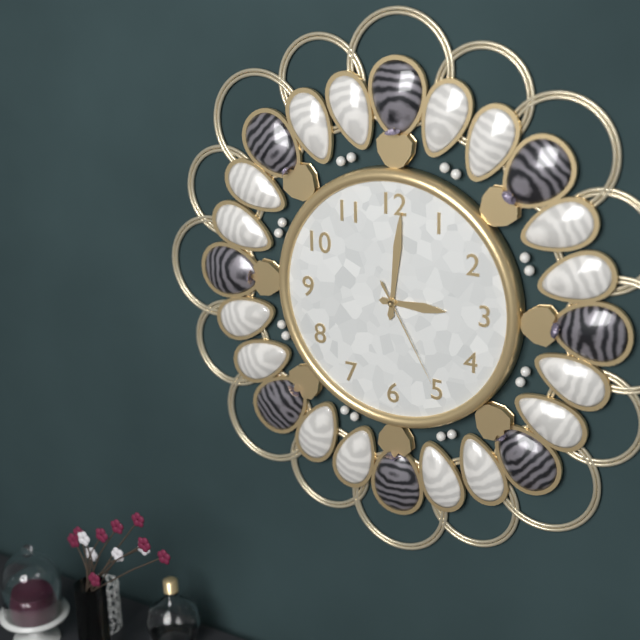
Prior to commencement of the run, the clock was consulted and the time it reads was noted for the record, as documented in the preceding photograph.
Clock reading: 3:01:25
